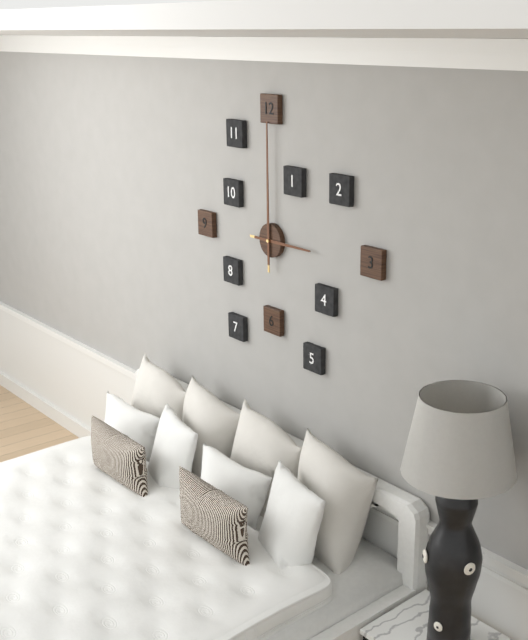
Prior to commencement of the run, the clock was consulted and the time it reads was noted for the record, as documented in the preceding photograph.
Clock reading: 3:00
